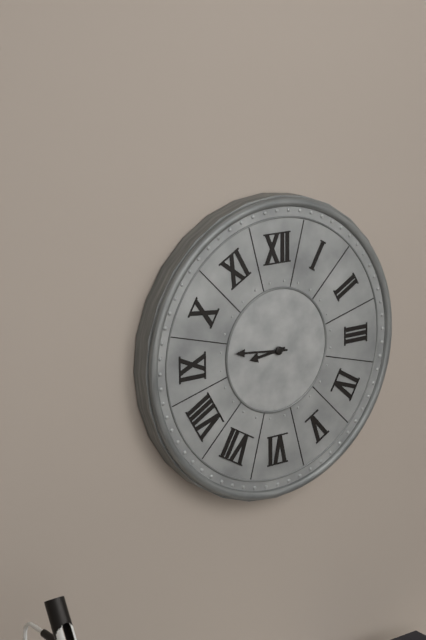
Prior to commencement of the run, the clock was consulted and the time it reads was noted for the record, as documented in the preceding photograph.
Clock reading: 8:46
